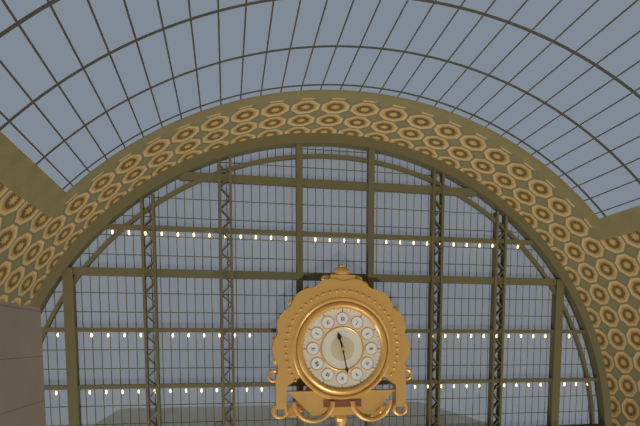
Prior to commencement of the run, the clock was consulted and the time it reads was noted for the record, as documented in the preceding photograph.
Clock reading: 11:28
